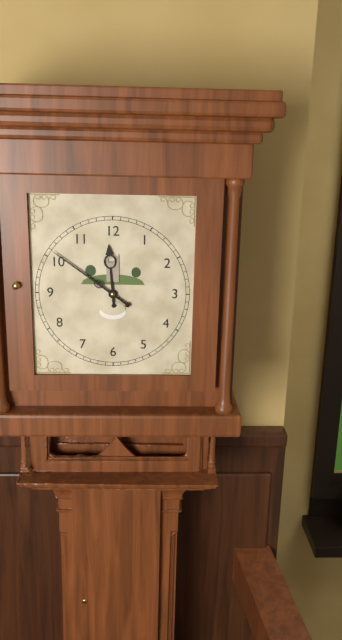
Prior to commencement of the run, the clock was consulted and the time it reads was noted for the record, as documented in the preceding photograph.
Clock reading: 11:51
